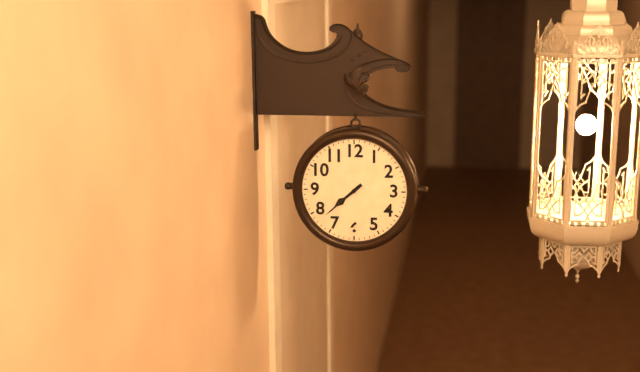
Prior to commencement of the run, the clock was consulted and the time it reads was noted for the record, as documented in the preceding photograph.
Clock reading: 7:38
